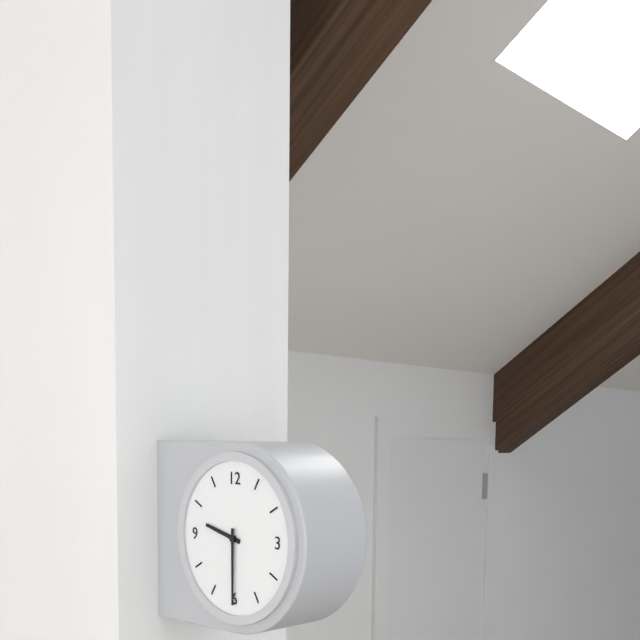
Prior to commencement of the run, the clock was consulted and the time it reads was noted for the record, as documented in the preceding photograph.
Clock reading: 9:30
